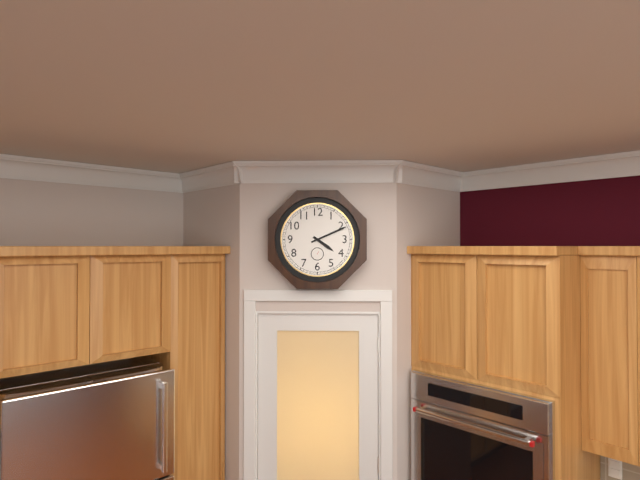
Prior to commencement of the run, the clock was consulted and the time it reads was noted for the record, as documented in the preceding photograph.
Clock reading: 4:11
